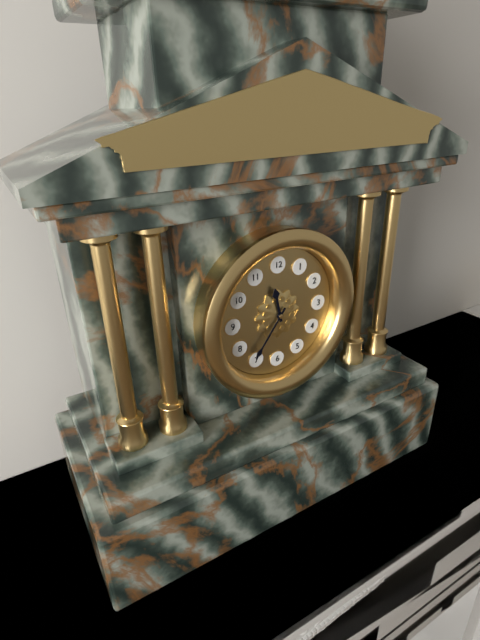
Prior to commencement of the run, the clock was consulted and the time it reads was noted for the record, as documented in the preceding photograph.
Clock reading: 11:36
